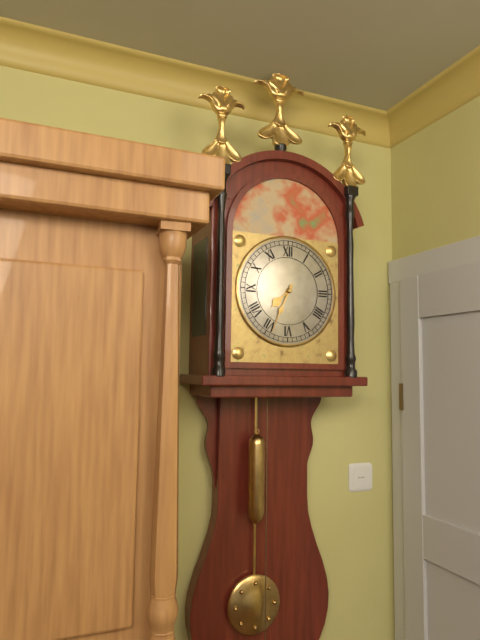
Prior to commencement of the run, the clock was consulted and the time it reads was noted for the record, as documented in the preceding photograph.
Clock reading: 7:34
